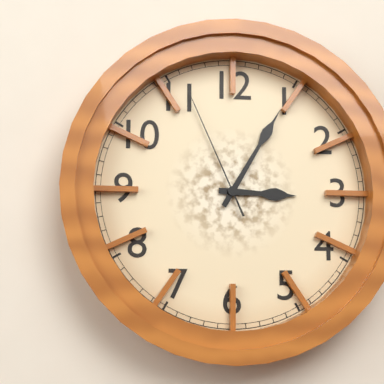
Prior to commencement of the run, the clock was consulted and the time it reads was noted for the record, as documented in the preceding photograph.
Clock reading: 3:05:56
